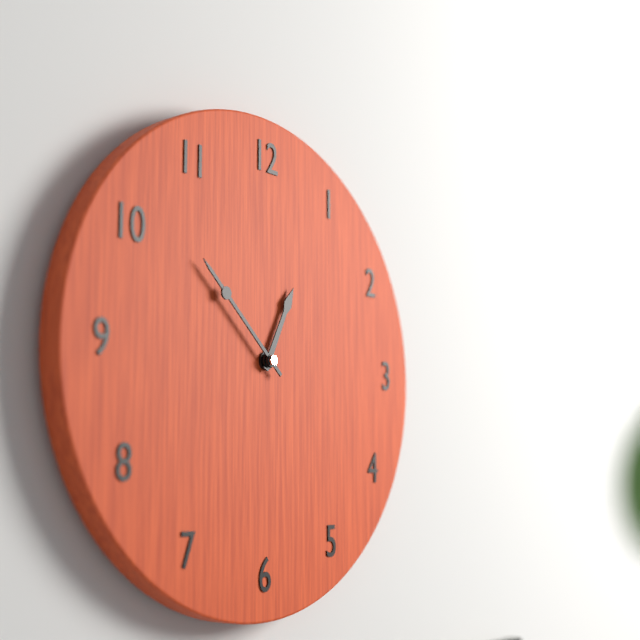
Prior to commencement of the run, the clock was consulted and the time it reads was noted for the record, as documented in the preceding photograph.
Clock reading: 12:52
